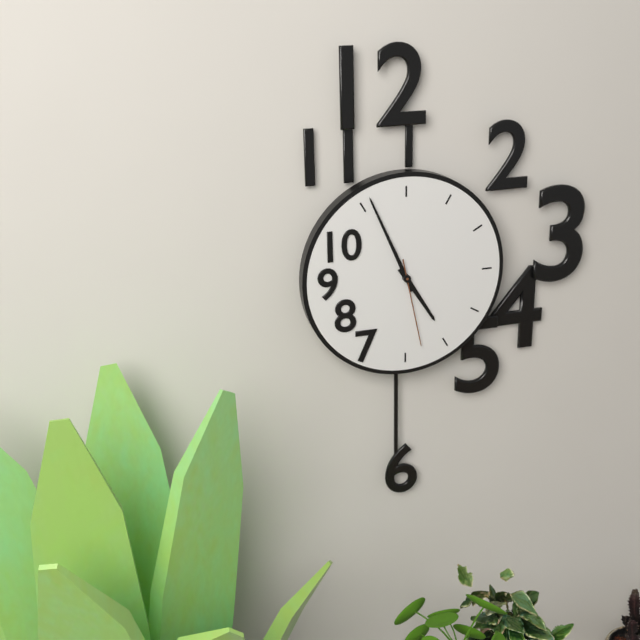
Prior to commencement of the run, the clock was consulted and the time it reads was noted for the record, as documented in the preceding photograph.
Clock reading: 4:56:28
